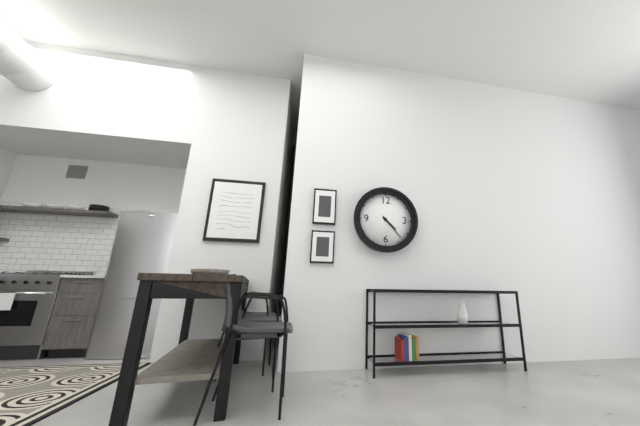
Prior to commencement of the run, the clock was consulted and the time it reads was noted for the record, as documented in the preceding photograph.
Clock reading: 4:23
